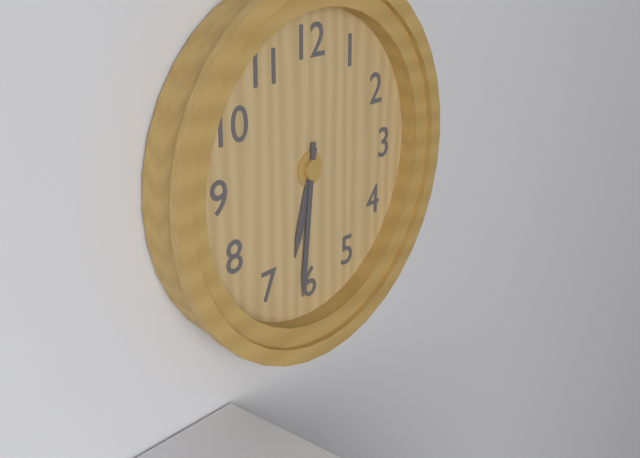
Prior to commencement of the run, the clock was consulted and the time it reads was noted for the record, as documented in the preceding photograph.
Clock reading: 6:31
